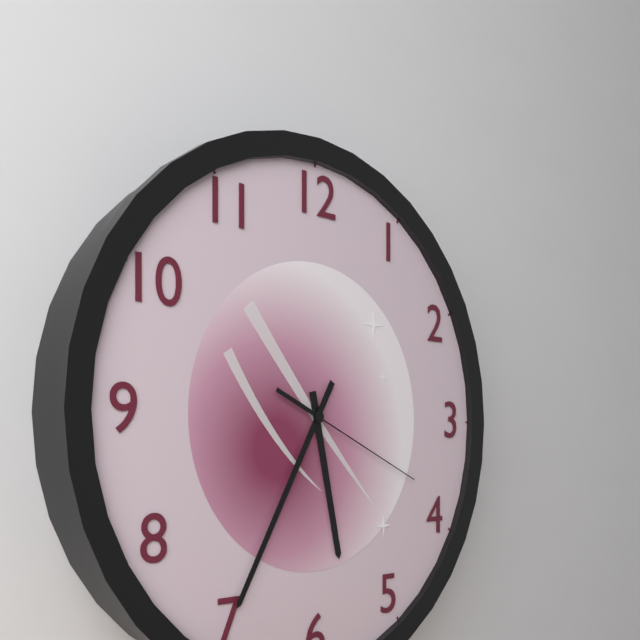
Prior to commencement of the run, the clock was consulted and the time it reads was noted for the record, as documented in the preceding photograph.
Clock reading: 5:35:19
